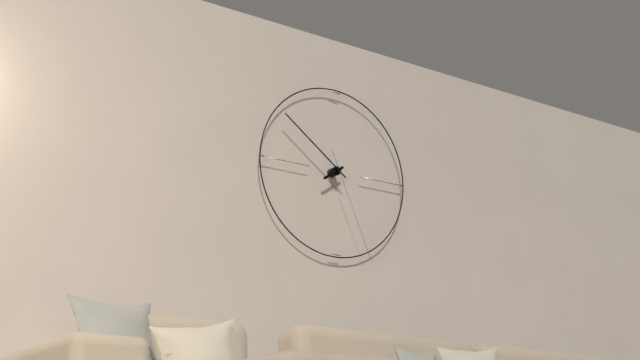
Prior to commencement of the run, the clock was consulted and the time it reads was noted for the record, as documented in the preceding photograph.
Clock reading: 7:51:26
